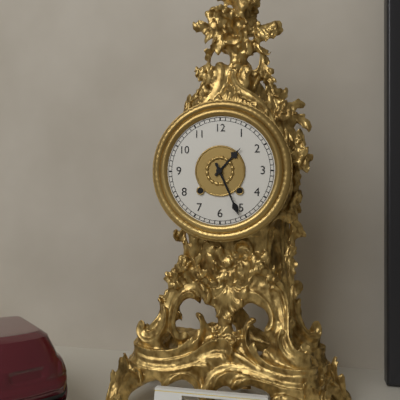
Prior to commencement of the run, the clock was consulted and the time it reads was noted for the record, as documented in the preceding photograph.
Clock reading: 1:26
